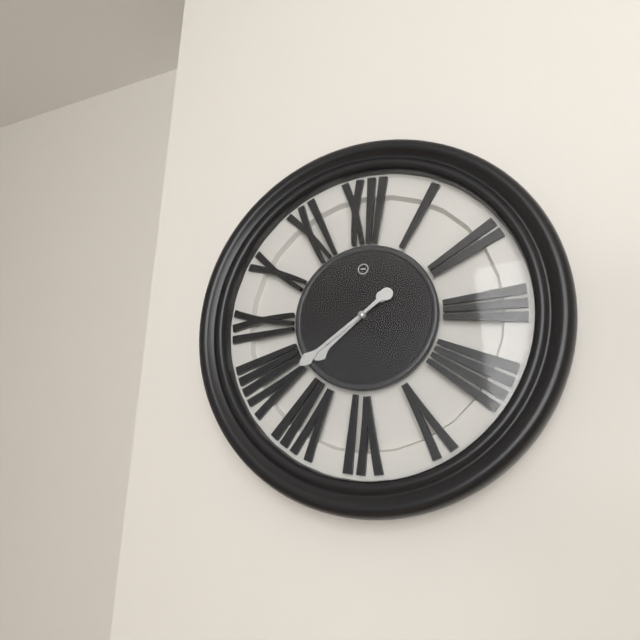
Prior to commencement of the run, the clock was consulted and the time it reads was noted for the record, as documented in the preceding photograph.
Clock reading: 7:39
